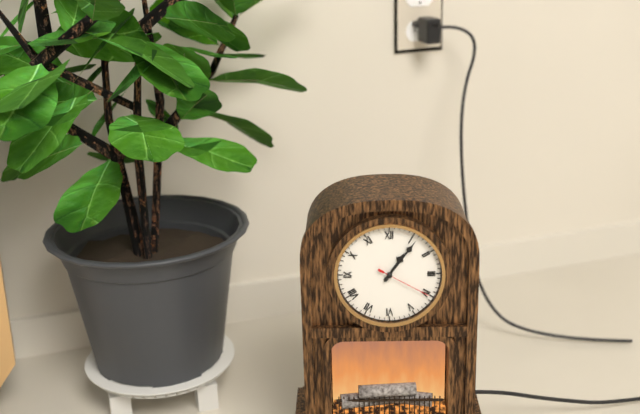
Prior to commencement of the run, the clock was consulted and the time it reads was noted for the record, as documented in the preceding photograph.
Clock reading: 1:06:20
